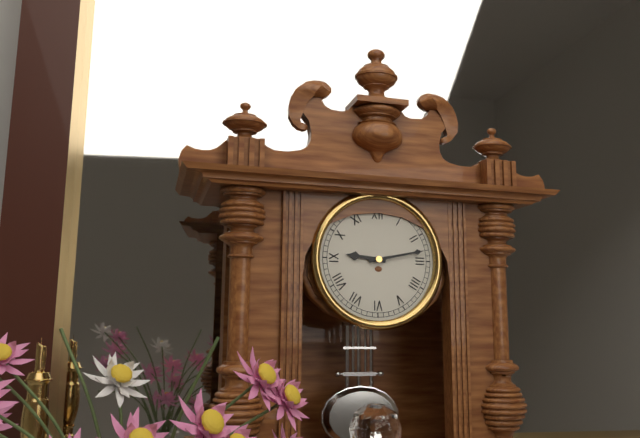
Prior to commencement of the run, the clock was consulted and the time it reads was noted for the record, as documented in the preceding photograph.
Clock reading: 9:13
